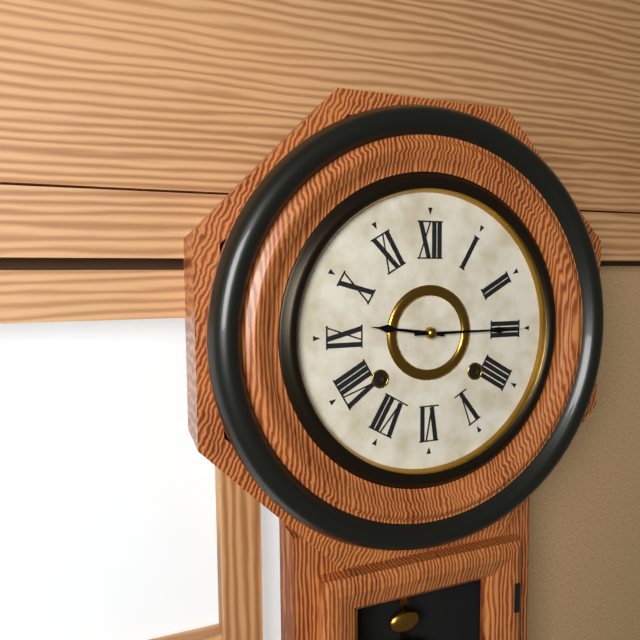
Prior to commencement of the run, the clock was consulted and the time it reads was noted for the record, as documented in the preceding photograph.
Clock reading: 9:15
